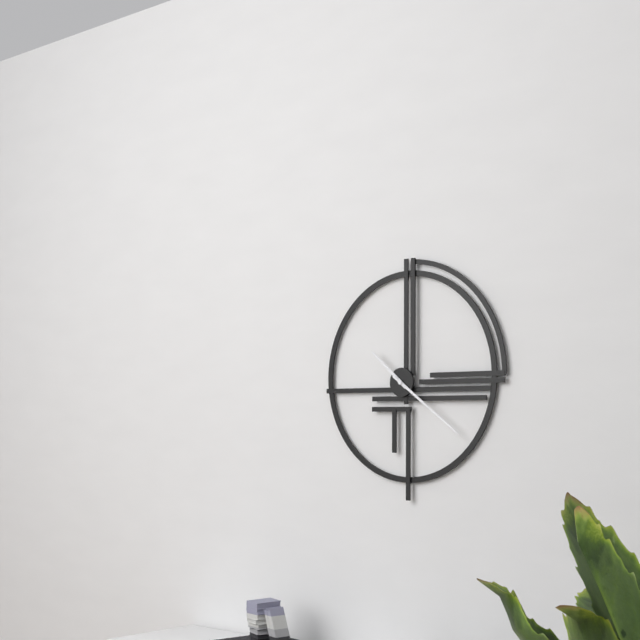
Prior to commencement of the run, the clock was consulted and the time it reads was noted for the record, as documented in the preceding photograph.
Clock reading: 10:21
